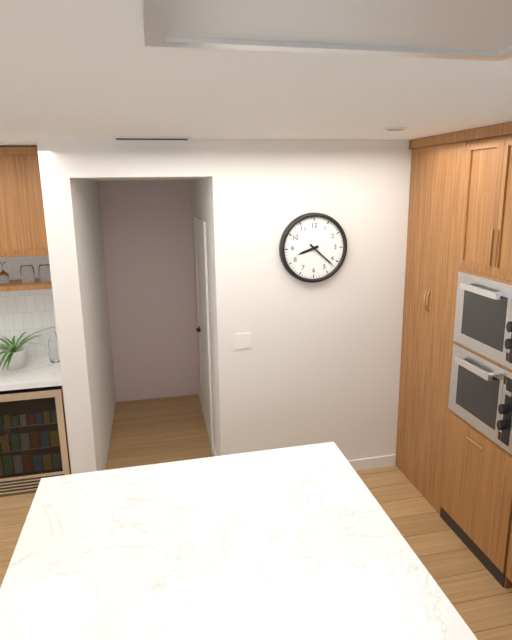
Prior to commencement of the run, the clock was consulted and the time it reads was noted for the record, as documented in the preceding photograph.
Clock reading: 8:22
